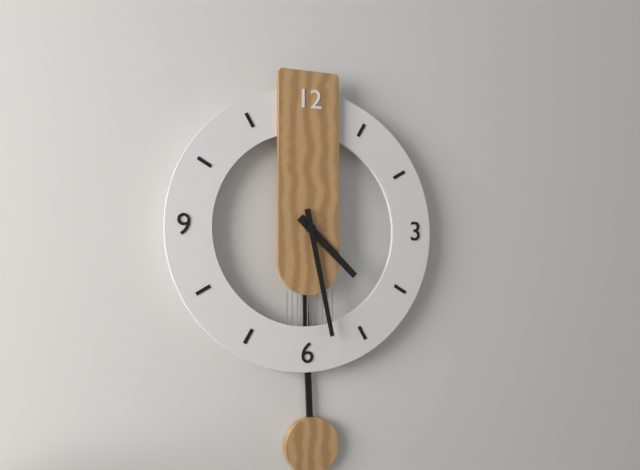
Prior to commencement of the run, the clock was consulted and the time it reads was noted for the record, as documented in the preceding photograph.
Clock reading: 4:28
